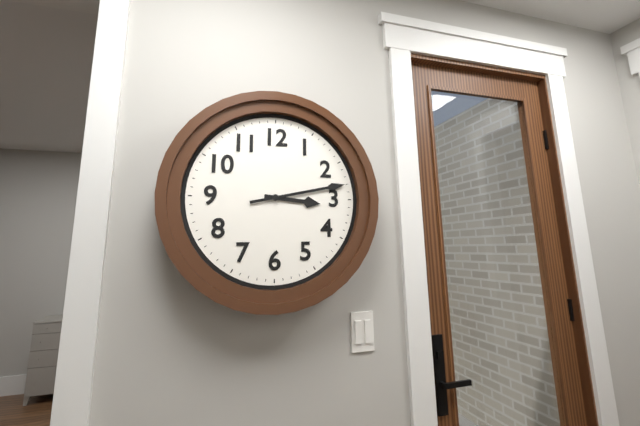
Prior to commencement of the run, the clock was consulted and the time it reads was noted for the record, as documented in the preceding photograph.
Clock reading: 3:13
